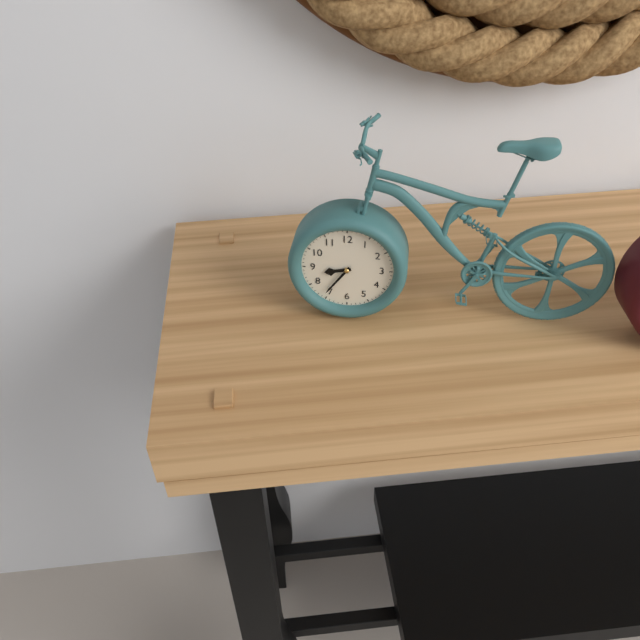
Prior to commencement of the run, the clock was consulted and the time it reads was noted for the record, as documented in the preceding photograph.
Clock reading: 8:36
